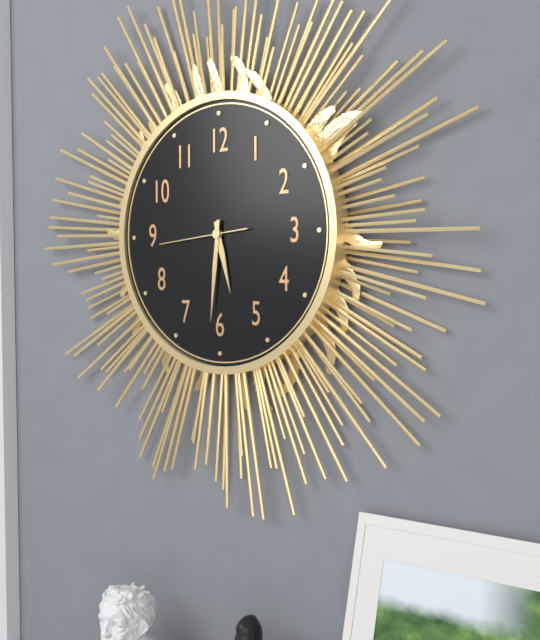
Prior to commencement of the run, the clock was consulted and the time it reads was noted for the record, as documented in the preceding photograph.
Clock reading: 5:31:44
